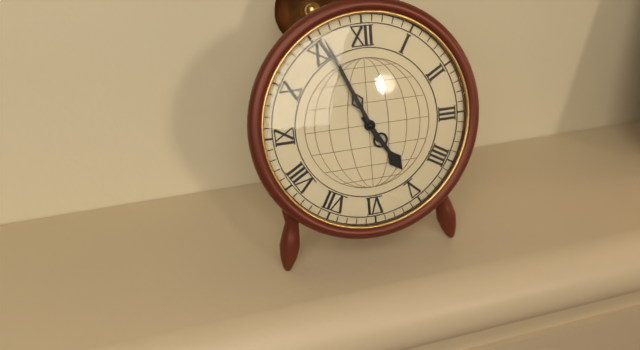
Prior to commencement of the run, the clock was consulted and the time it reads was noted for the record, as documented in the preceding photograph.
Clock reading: 4:56
